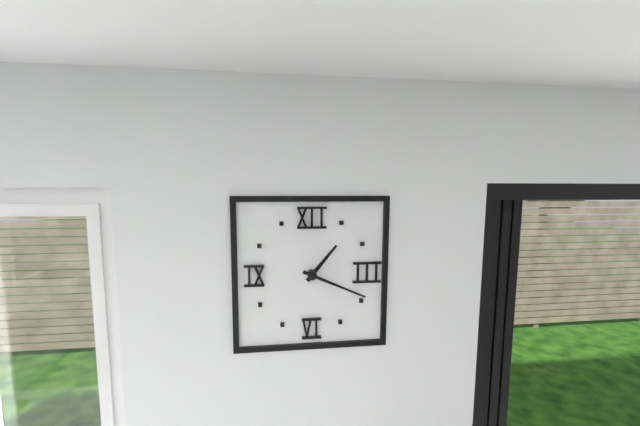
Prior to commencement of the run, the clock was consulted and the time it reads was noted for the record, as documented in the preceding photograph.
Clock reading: 1:19
